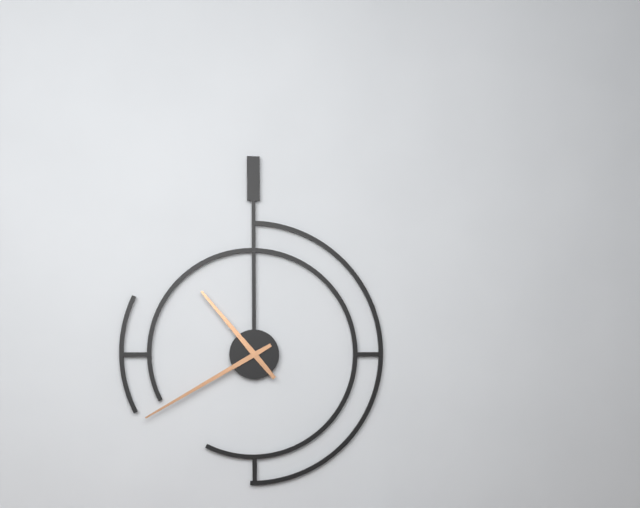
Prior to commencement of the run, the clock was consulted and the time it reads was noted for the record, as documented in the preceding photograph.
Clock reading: 10:40
